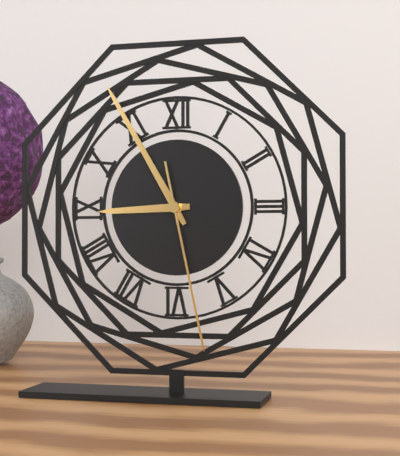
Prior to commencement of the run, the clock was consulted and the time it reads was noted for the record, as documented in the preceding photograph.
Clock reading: 8:55:28
